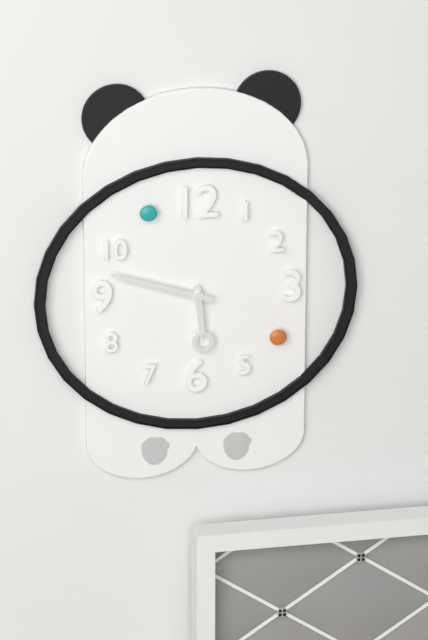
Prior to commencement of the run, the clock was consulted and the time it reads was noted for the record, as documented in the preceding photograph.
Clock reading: 5:48
